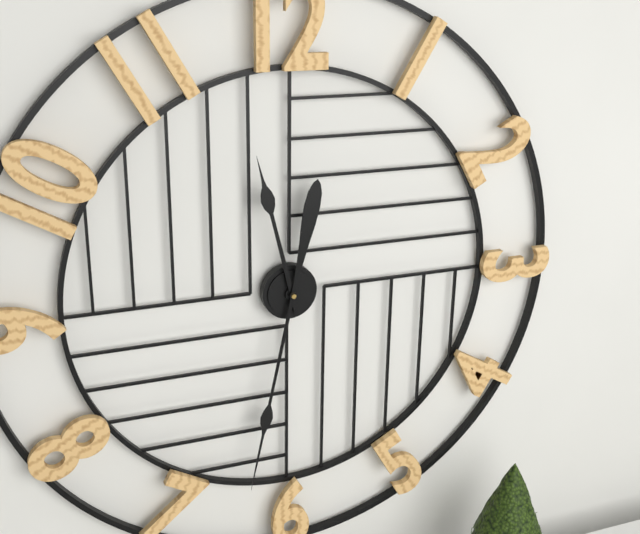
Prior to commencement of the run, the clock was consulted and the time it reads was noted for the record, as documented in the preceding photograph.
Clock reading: 11:32
